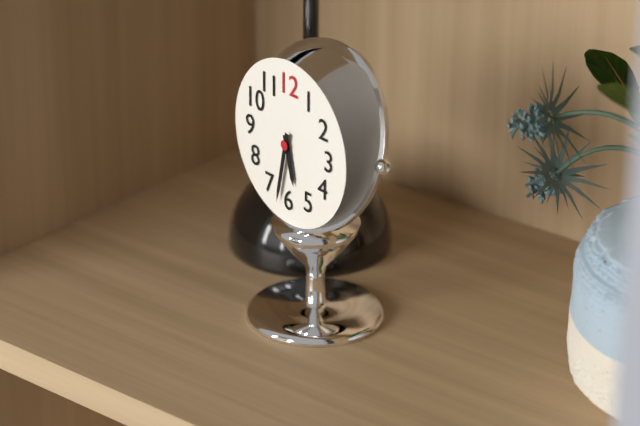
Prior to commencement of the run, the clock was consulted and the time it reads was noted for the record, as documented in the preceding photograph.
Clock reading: 5:32
